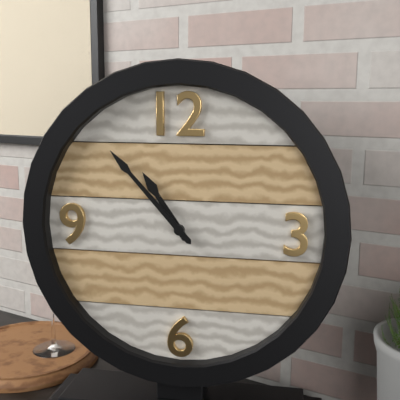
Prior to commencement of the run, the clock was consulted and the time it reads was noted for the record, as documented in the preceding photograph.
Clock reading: 10:53
